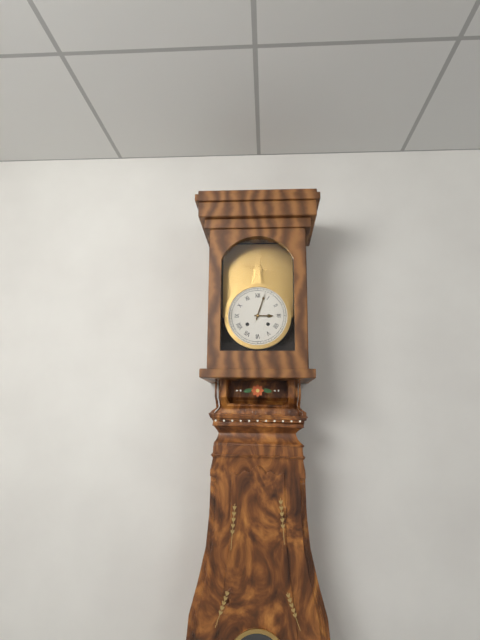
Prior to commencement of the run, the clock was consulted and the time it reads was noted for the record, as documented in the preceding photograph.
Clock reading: 3:03
